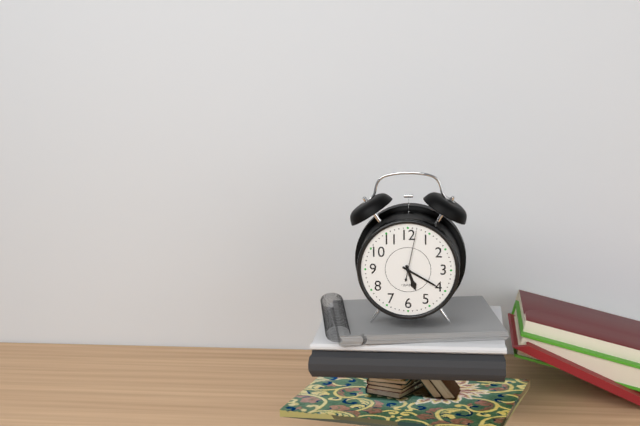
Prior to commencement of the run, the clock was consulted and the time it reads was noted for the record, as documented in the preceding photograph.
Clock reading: 5:20
